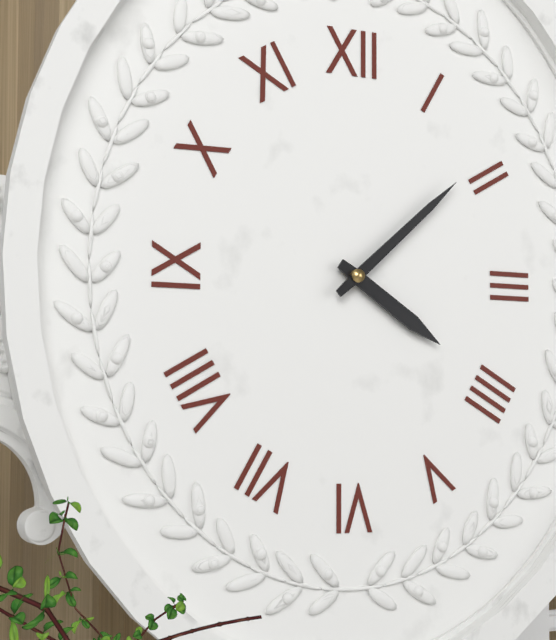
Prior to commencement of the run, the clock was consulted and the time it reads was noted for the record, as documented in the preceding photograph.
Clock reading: 4:08
